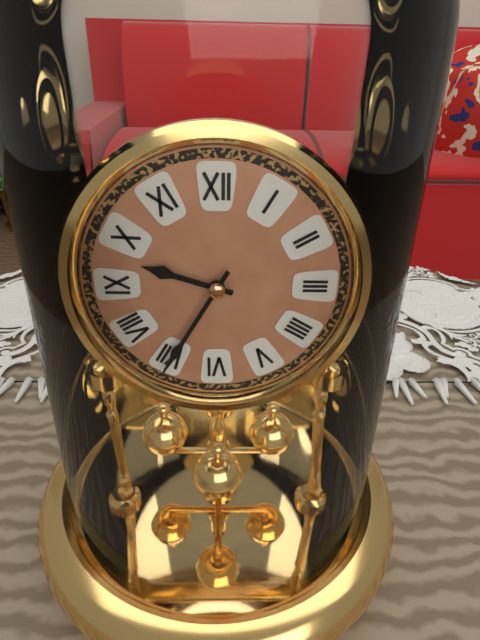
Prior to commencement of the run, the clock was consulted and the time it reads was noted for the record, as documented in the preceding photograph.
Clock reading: 9:35
